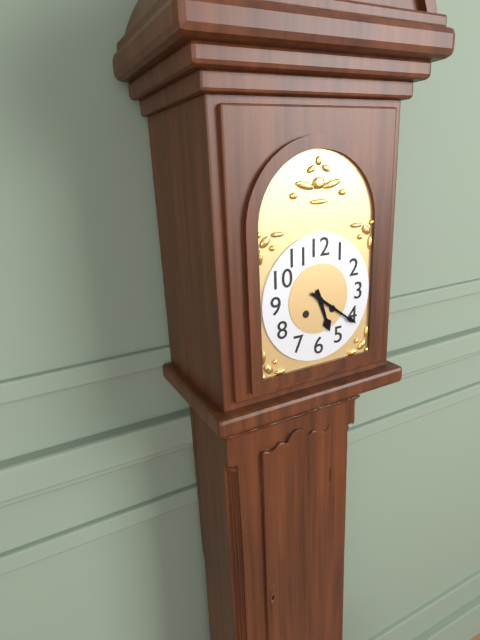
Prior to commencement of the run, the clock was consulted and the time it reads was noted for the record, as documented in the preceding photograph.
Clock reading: 5:21
